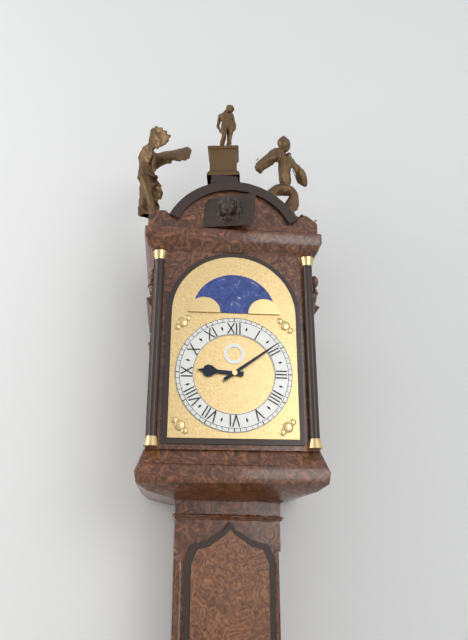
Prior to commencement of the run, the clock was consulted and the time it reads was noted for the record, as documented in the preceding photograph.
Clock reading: 9:09
